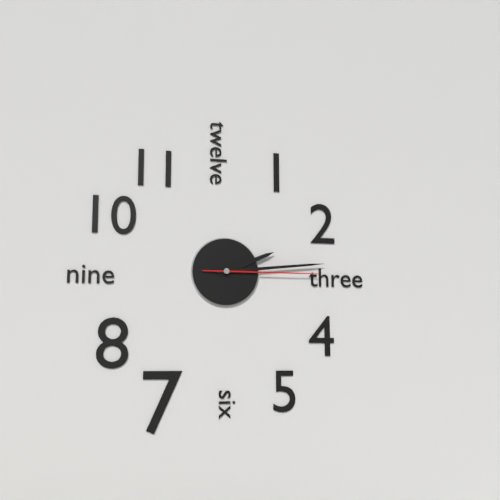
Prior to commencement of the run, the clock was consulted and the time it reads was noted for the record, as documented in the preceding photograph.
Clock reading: 2:14:15
